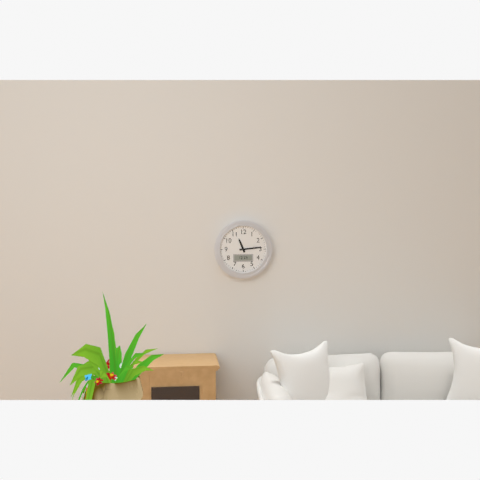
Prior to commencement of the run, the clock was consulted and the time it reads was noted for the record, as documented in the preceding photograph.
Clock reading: 11:14
